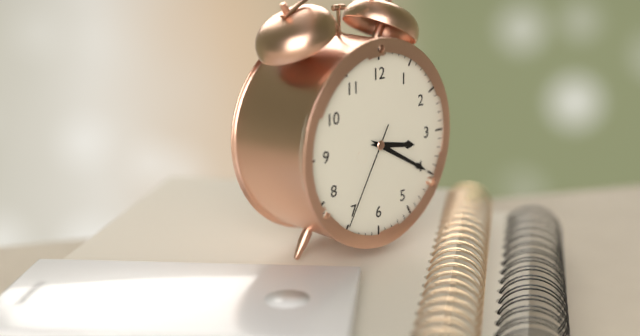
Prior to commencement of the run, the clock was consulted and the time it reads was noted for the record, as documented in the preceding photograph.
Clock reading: 3:20:35
